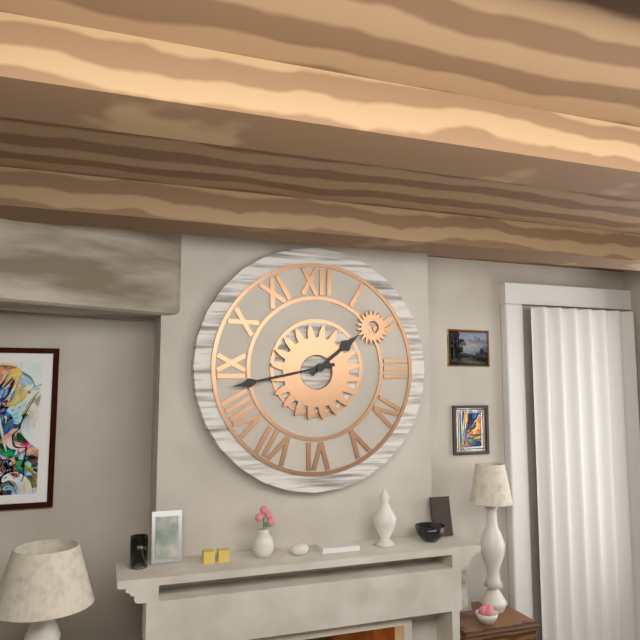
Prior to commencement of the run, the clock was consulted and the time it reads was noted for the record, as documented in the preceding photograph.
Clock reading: 1:43
